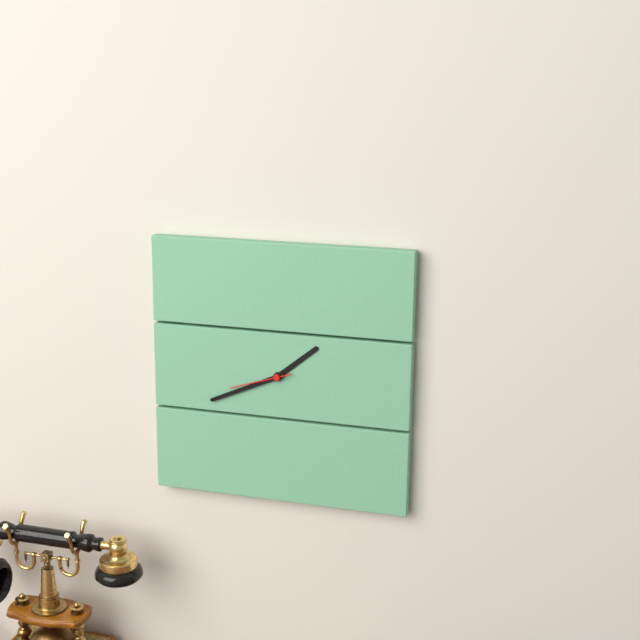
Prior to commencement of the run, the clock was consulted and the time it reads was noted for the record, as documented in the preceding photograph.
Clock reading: 1:41:42
